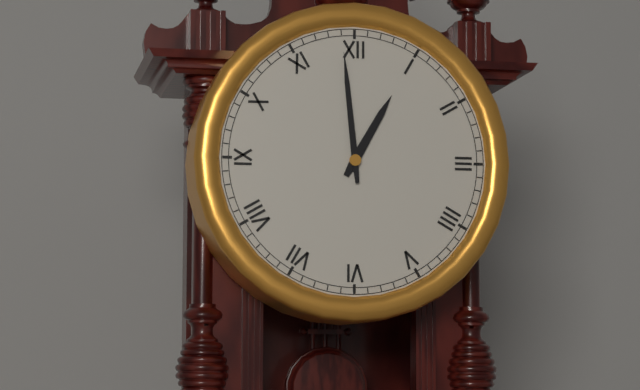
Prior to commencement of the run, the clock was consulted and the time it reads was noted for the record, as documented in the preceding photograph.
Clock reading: 12:59
